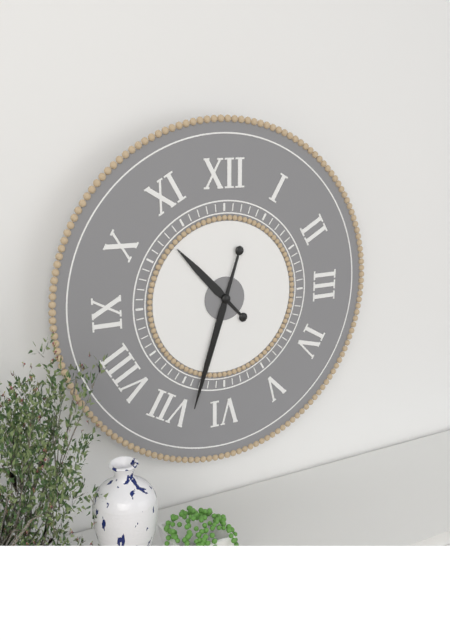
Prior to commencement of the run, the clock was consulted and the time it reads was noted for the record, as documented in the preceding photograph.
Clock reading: 10:33
